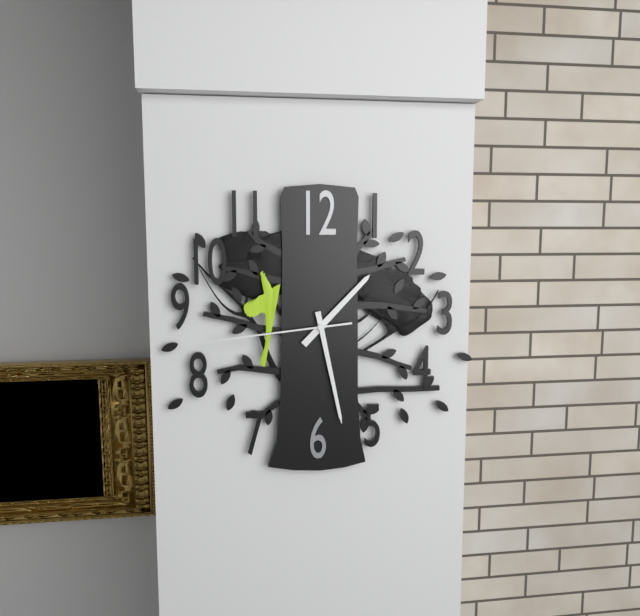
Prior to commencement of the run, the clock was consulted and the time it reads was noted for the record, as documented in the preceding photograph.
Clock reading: 1:28:44
